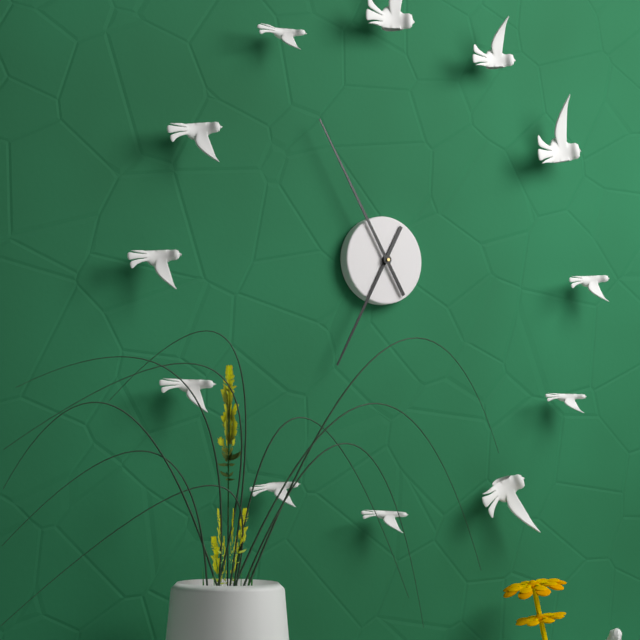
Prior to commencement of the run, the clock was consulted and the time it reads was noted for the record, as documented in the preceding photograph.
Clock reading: 6:55
